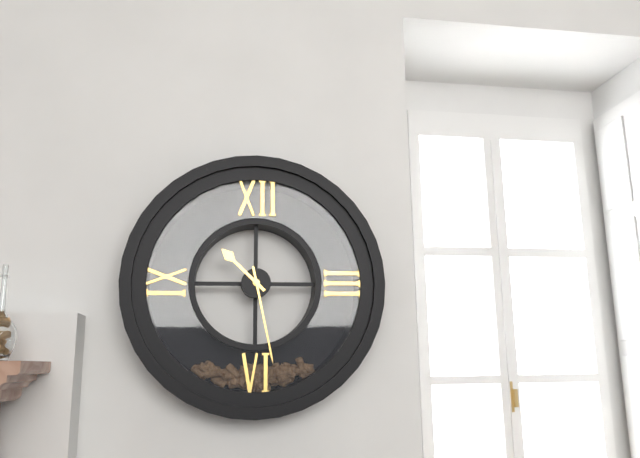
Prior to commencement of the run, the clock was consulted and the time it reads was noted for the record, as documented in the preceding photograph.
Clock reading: 10:28
